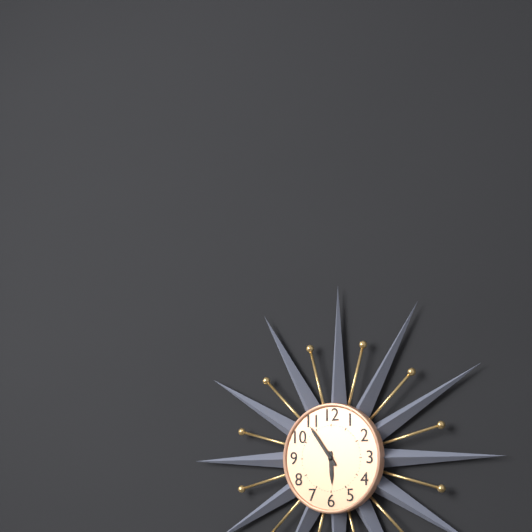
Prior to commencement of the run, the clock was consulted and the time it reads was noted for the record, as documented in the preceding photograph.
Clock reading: 5:54
